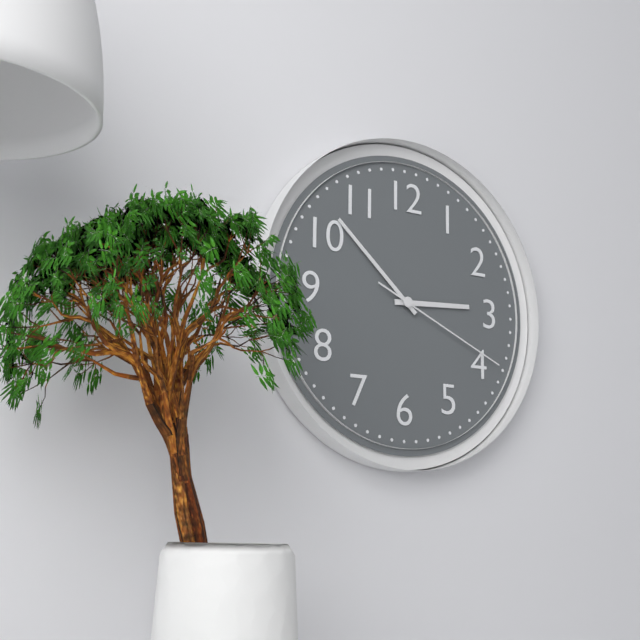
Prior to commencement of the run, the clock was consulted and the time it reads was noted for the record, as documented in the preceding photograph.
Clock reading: 2:52:19
